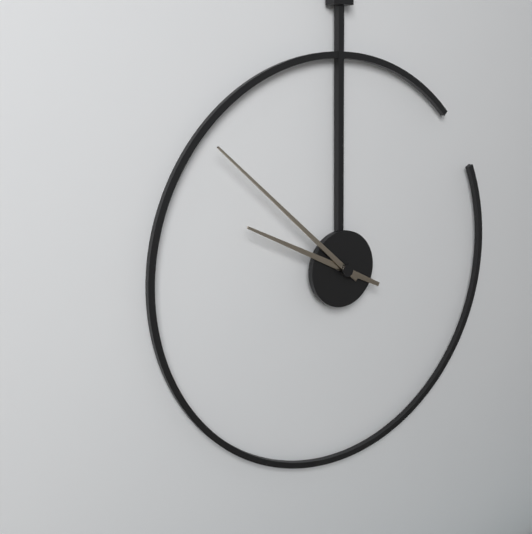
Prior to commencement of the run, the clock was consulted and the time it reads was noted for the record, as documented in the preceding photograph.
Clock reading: 9:52
